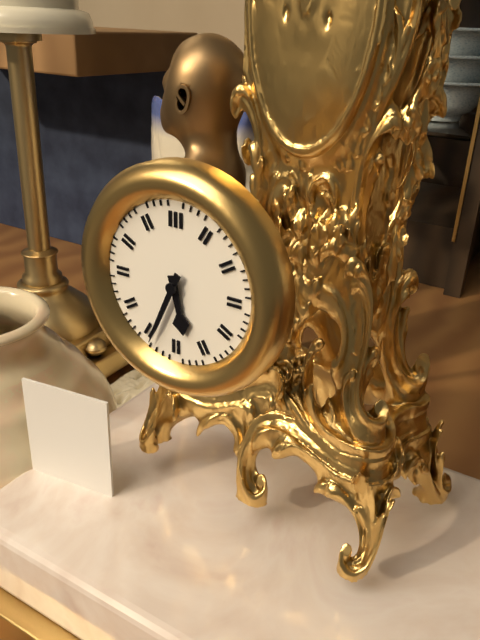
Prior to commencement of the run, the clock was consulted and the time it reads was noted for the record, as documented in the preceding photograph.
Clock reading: 5:34
